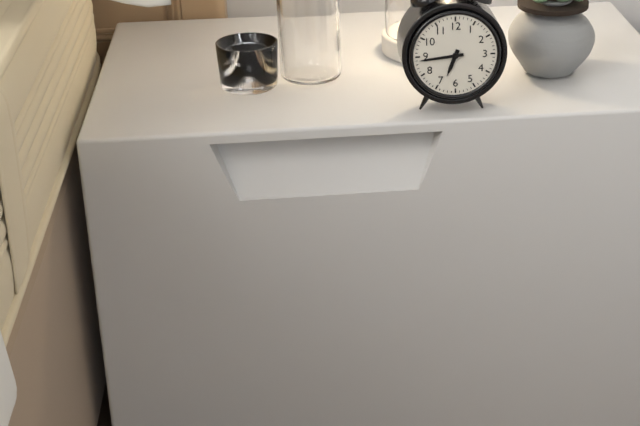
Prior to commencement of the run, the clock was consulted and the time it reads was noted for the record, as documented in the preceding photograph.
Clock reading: 6:44
